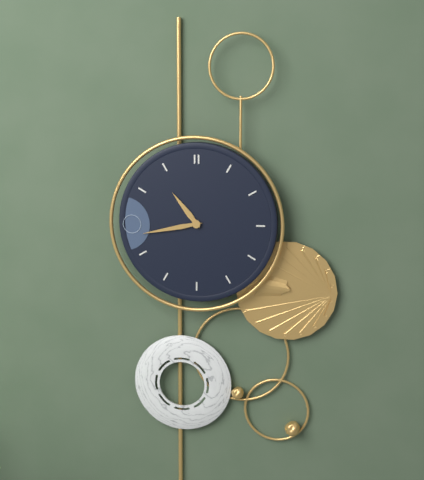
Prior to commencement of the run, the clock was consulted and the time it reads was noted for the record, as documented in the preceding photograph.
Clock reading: 10:43
